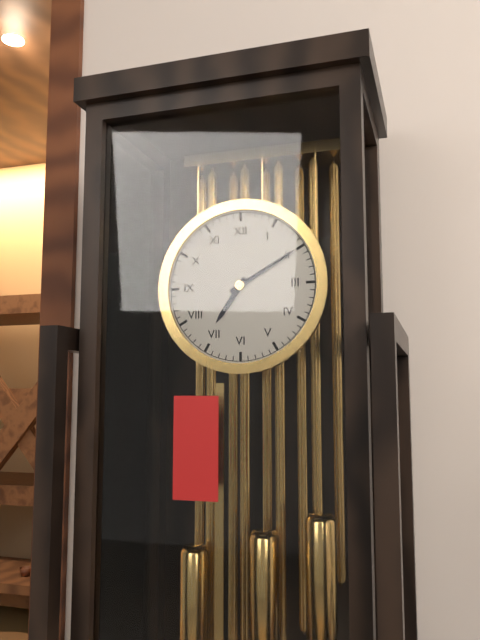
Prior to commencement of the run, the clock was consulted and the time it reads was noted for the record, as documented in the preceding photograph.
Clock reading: 7:10
